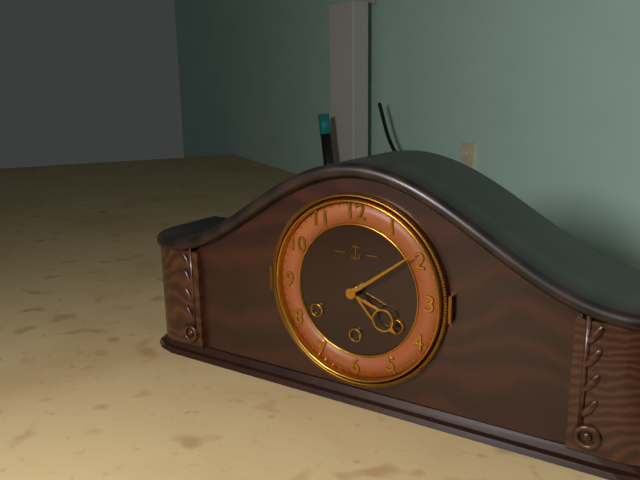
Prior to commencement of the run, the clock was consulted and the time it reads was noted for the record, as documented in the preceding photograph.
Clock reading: 4:09
